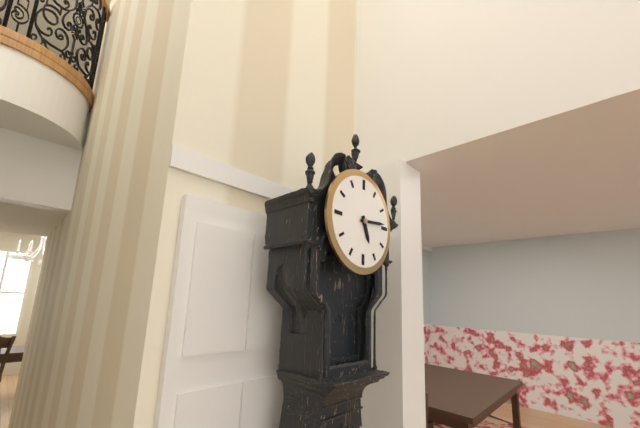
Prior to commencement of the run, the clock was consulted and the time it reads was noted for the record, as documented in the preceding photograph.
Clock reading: 5:14
